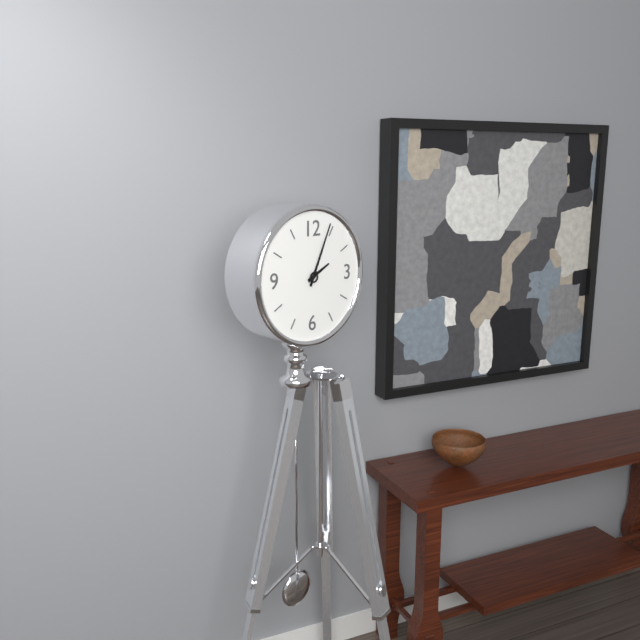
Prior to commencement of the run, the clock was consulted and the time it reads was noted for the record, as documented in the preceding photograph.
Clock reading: 2:04
